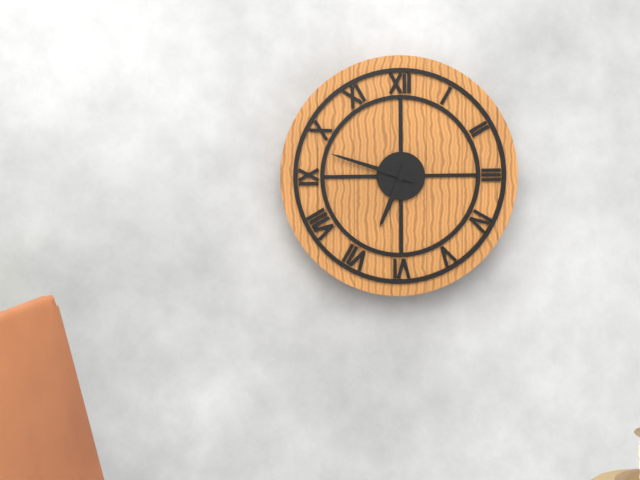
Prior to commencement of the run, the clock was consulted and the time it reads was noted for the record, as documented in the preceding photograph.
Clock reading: 6:48
